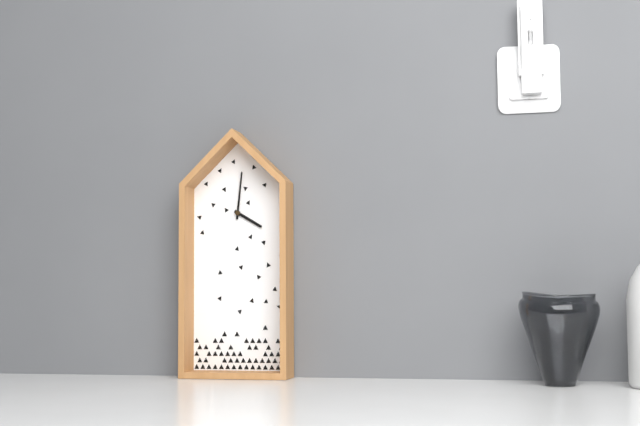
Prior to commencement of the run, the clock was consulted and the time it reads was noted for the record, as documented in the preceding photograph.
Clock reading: 4:01
